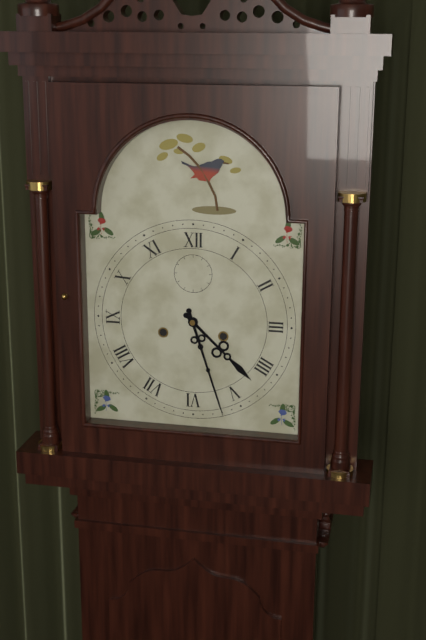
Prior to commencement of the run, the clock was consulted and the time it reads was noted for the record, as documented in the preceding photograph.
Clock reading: 4:27
